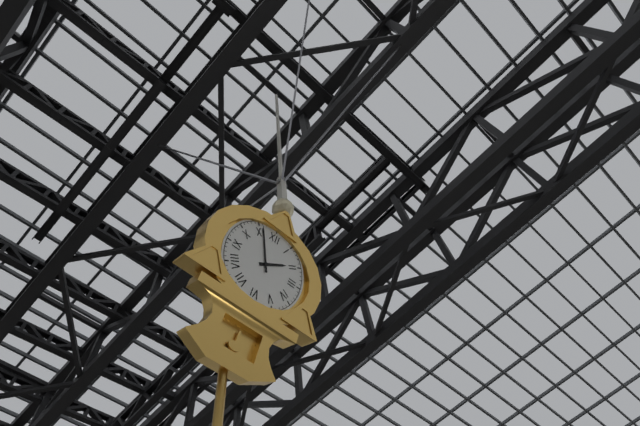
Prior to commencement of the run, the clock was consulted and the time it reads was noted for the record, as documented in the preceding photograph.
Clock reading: 1:56
